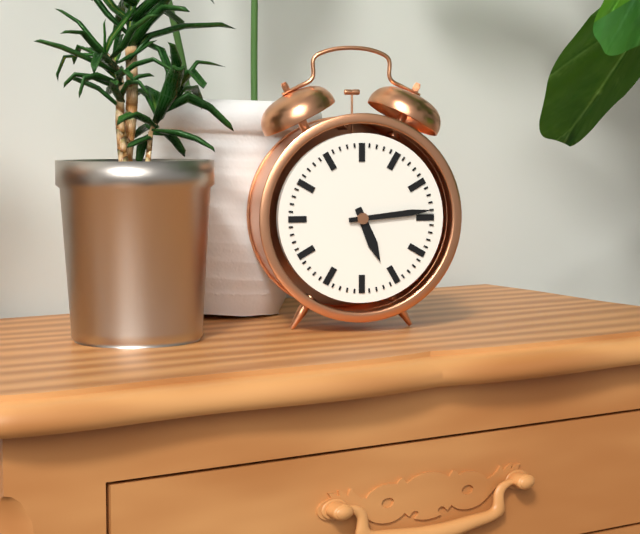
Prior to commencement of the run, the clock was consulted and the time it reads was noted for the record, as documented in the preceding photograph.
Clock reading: 5:14
